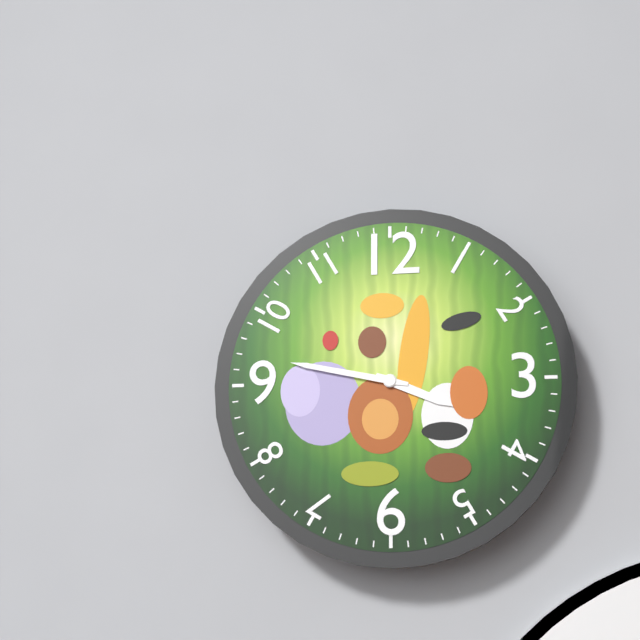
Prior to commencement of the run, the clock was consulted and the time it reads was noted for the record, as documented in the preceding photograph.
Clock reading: 3:47
